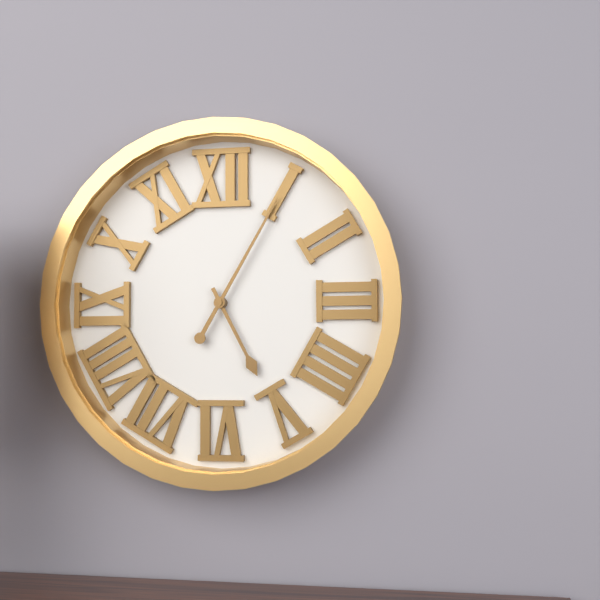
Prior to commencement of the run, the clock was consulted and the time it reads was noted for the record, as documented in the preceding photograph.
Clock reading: 5:05
